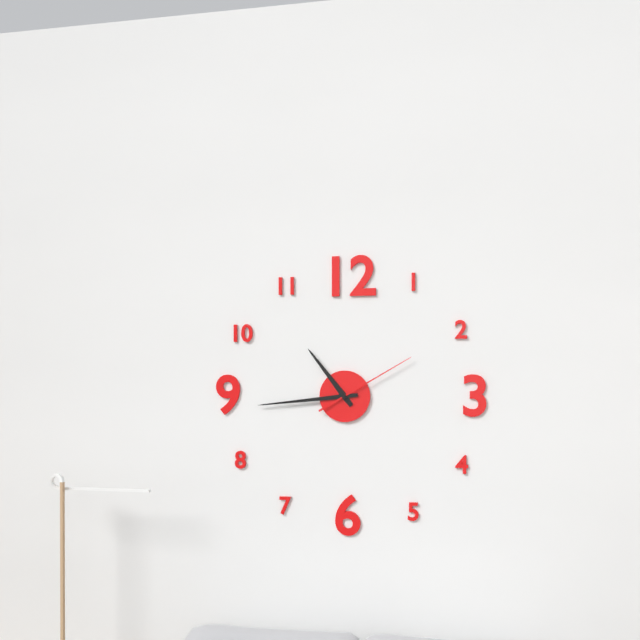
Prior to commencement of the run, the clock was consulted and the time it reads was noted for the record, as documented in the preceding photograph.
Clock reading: 10:44:10
